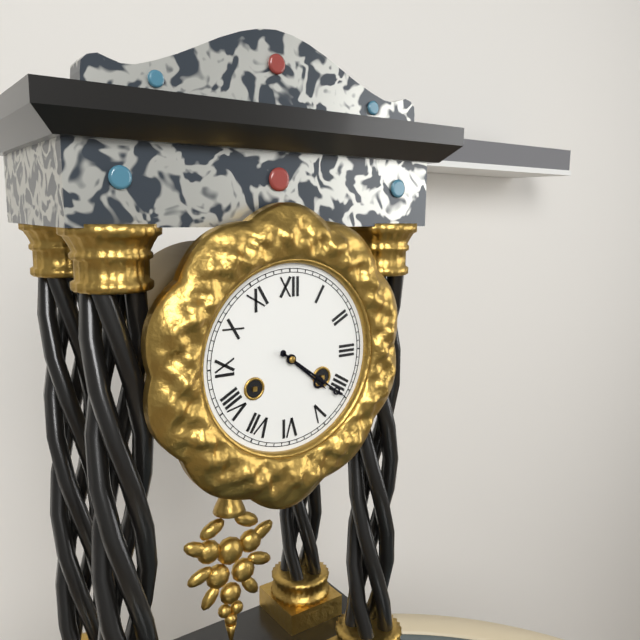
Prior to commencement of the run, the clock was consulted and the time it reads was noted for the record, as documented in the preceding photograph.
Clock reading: 4:21
